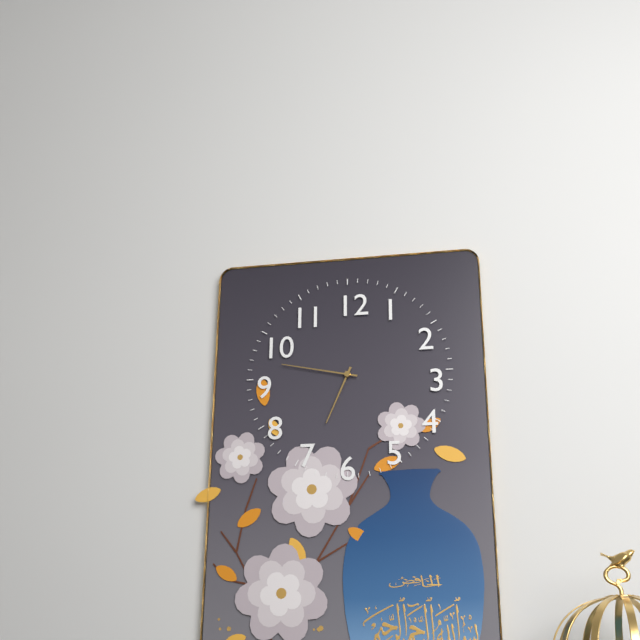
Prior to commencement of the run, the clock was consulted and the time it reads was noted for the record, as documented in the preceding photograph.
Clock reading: 6:47
